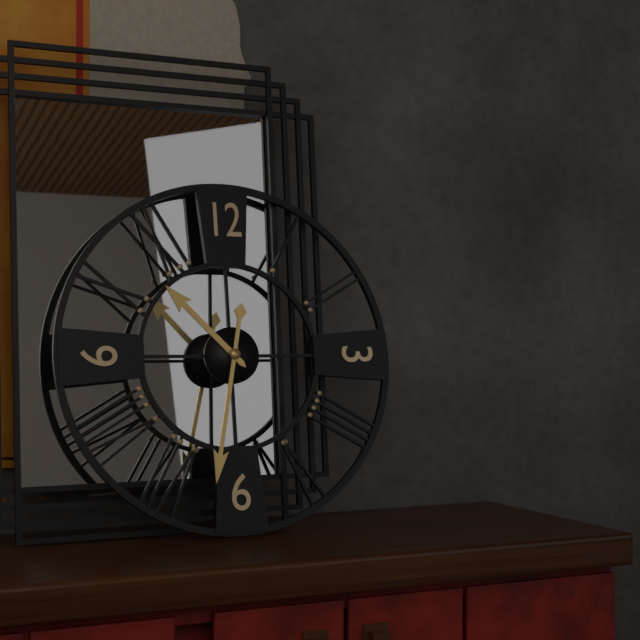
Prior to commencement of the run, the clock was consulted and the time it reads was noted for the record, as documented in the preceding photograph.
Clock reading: 10:32
